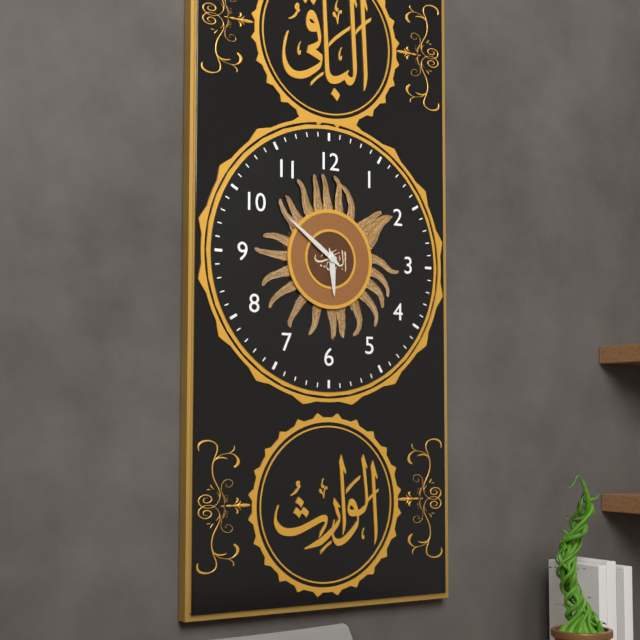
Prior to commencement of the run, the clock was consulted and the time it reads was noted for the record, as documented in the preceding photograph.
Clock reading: 5:51
